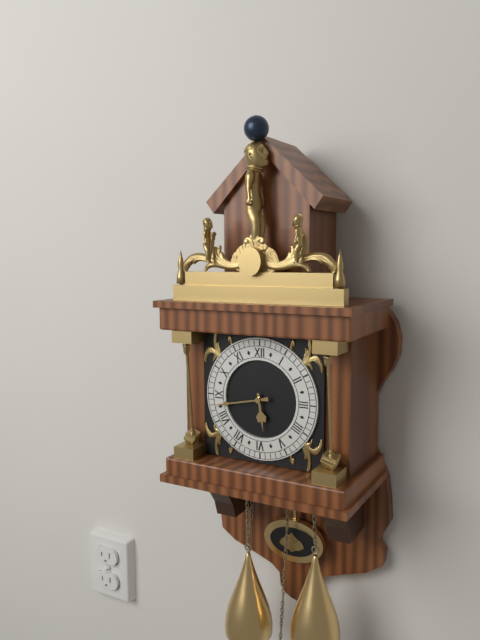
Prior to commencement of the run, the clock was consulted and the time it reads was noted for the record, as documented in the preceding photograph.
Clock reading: 5:43
